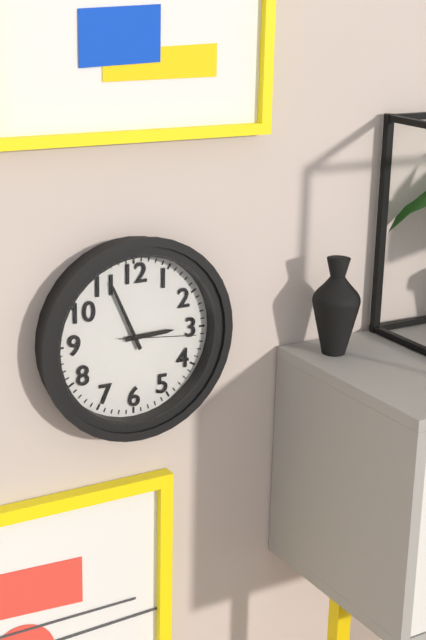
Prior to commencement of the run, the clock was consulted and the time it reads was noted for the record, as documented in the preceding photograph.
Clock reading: 2:56:16
